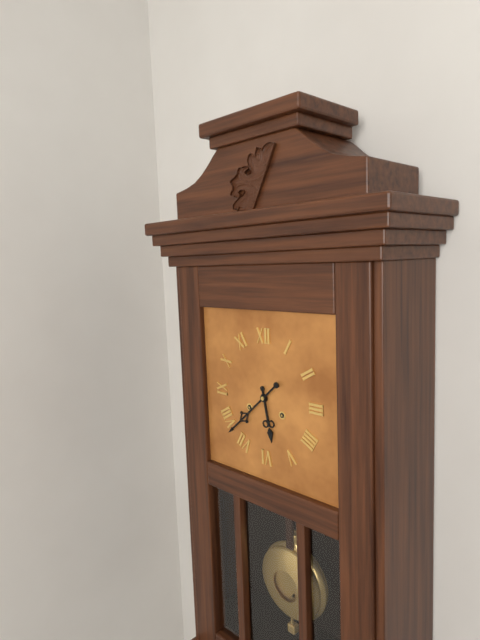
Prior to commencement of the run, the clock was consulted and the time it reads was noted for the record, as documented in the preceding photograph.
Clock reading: 5:38
